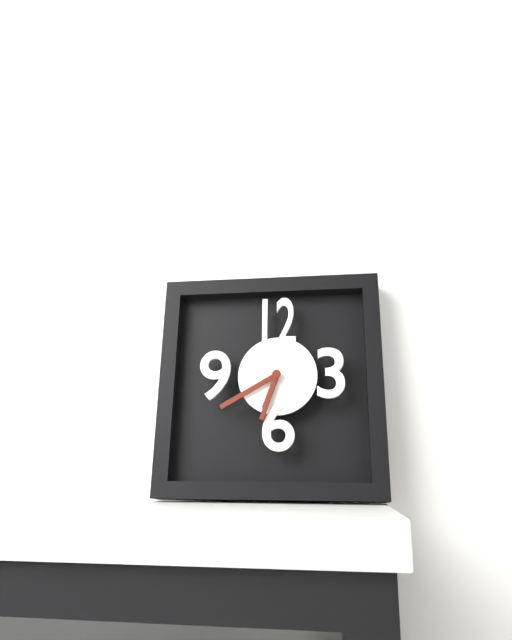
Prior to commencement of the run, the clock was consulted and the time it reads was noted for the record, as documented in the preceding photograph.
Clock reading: 6:40:33
